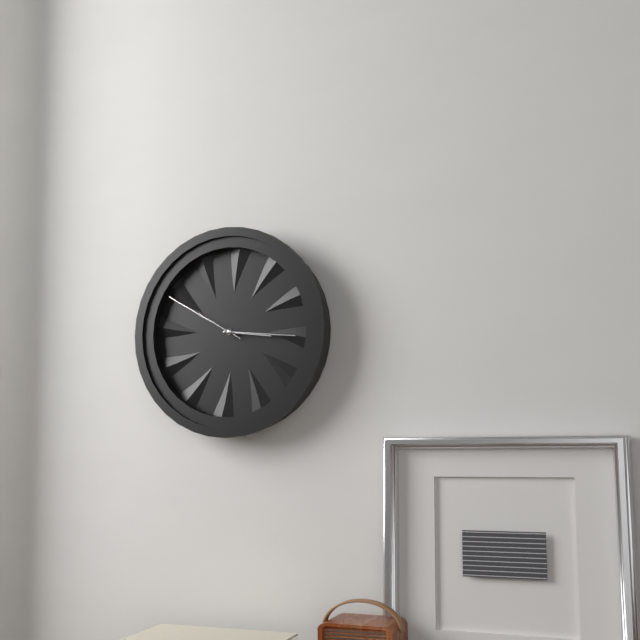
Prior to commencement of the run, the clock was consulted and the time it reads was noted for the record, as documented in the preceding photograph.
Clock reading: 3:16:50
